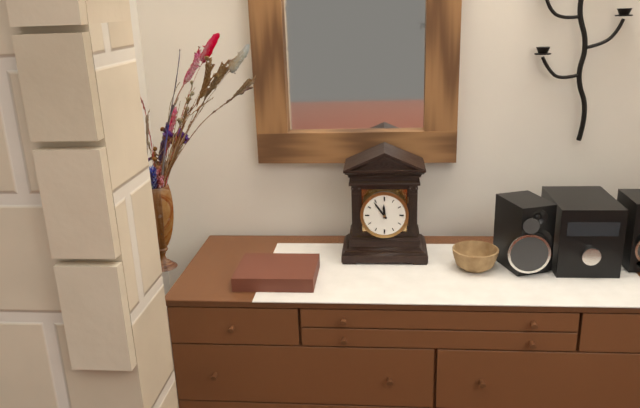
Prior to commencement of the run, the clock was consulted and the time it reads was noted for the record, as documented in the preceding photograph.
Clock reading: 11:54
